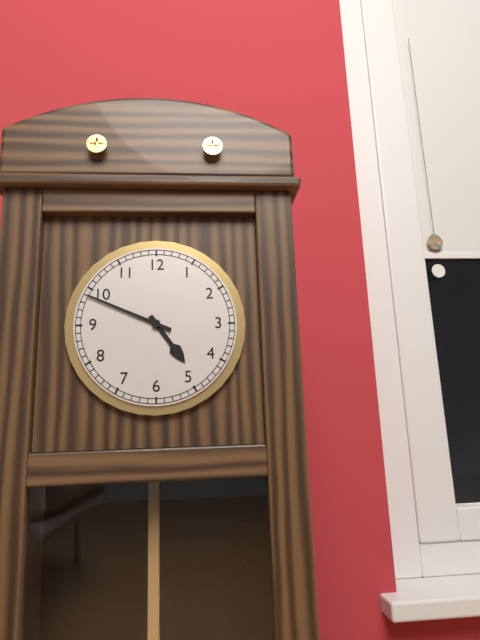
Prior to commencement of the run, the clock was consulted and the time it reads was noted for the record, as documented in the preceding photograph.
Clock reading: 4:49
